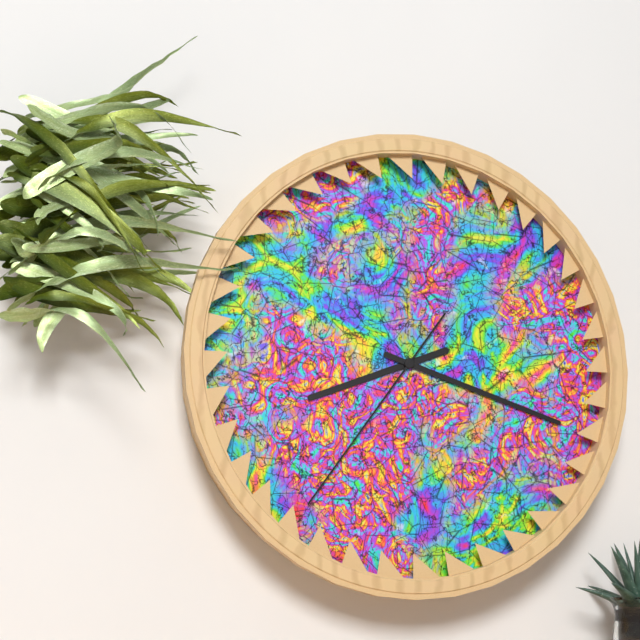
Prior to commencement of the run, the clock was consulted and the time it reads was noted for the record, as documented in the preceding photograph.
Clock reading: 8:18:36
